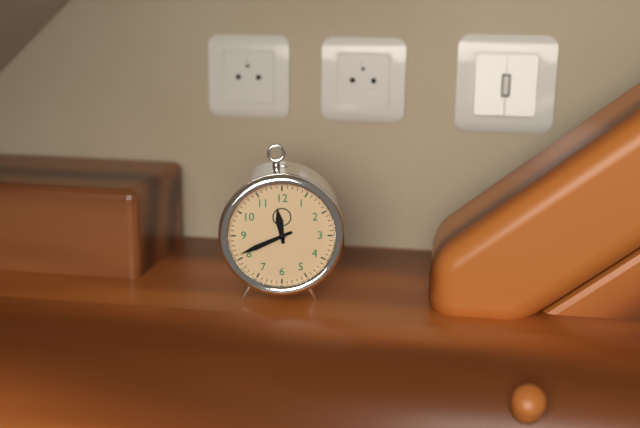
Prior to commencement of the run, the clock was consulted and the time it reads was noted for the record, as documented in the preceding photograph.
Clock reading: 11:41
